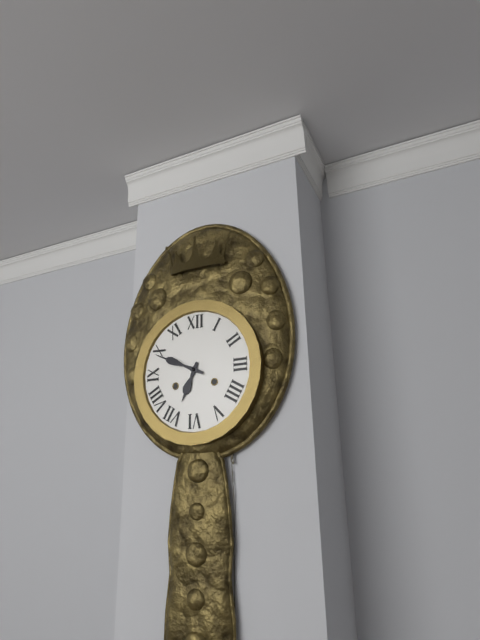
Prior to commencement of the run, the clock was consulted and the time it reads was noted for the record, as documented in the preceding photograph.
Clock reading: 6:49
